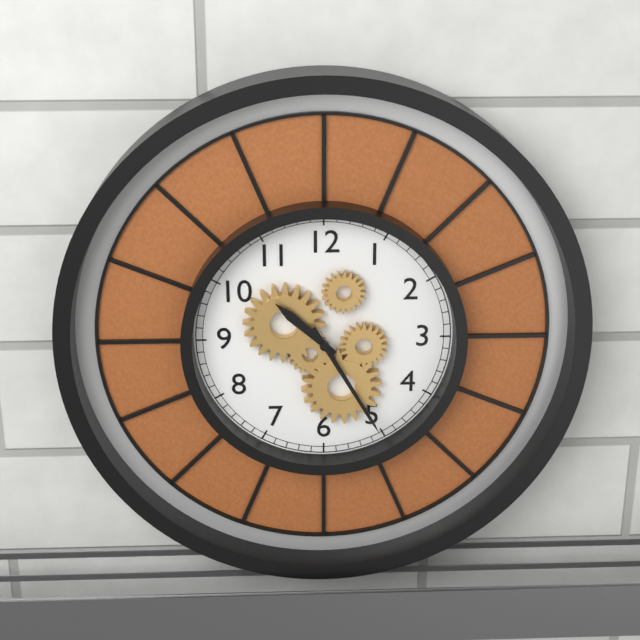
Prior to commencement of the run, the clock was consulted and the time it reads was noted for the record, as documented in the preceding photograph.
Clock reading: 10:25
